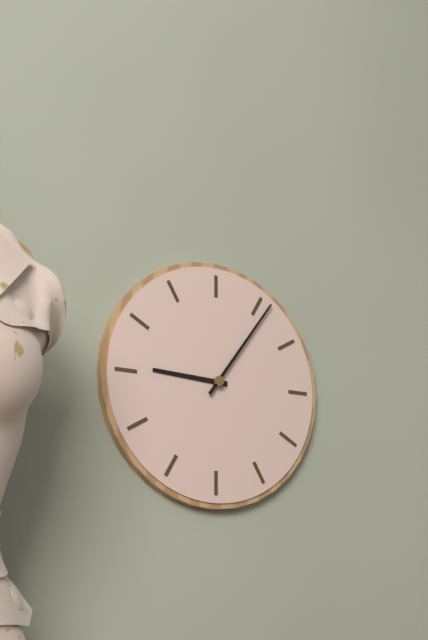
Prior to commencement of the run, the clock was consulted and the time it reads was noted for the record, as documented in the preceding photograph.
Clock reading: 9:06
